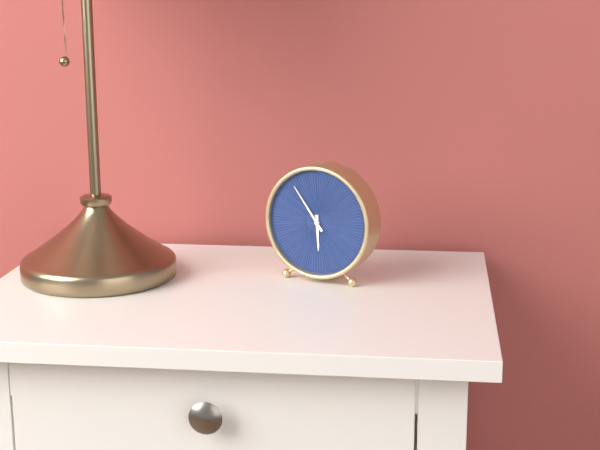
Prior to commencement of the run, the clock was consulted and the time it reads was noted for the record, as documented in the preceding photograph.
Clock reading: 5:54
